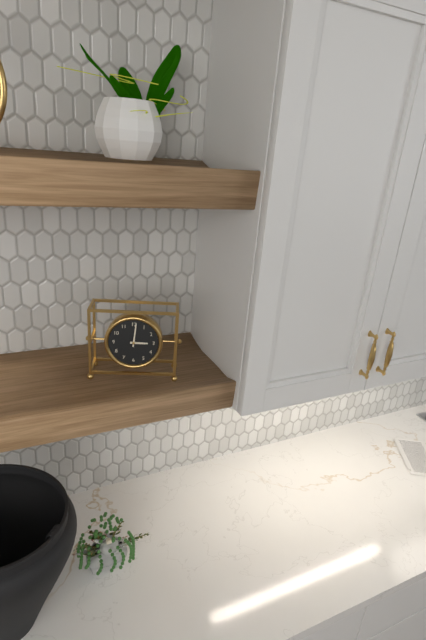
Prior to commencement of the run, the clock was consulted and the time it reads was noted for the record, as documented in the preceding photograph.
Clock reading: 3:01
